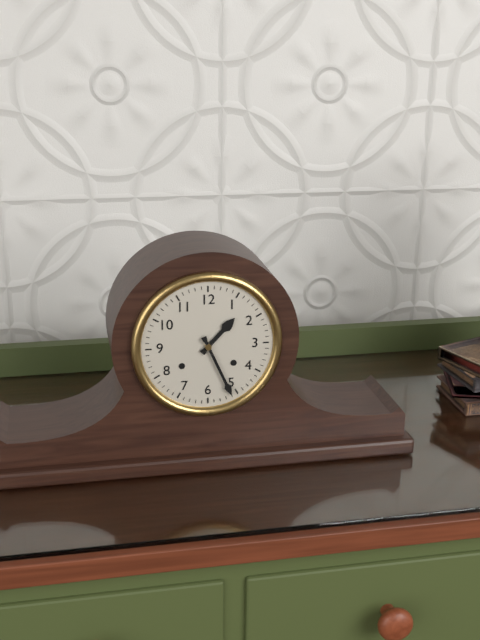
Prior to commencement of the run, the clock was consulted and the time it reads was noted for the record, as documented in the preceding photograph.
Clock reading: 1:26
